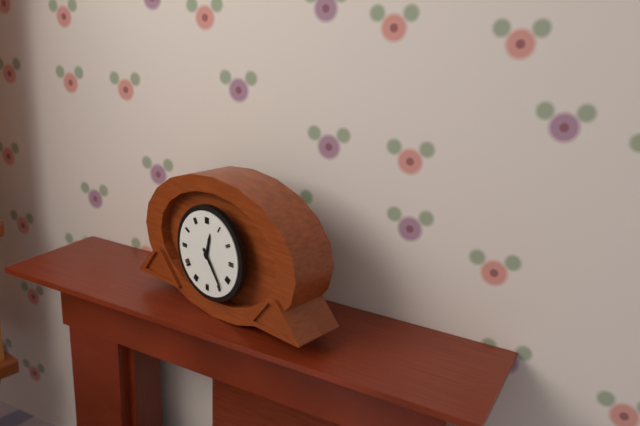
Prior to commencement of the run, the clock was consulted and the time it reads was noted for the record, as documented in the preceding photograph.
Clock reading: 12:24
